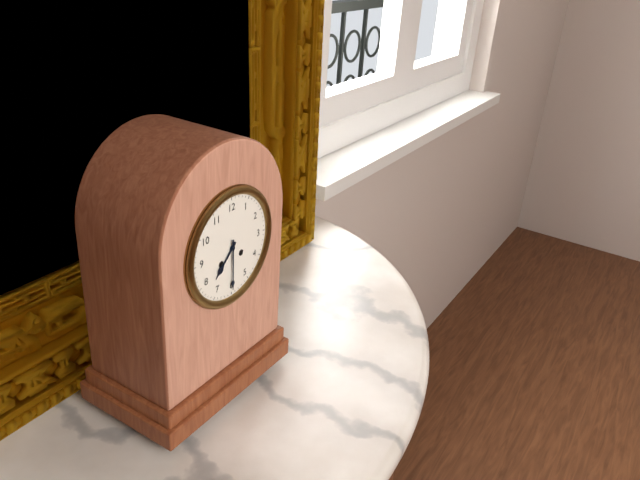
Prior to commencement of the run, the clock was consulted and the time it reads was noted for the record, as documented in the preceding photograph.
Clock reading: 7:30
